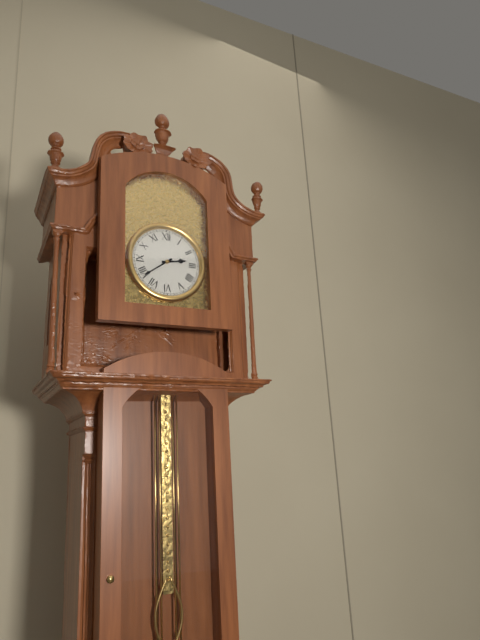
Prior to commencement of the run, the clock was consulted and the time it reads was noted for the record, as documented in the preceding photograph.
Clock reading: 2:39
